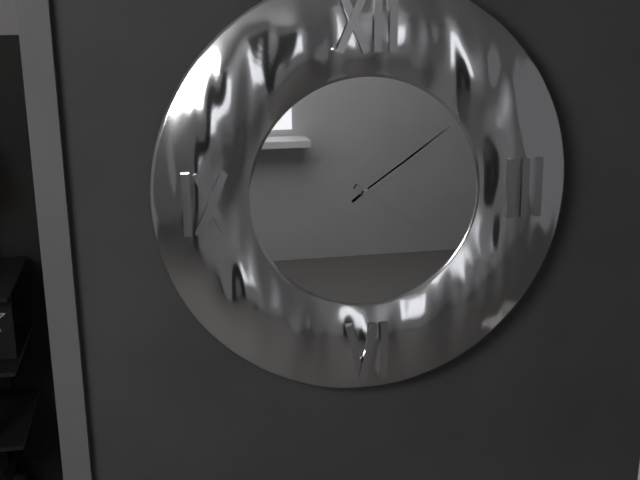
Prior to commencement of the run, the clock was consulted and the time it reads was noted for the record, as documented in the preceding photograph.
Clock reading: 4:09
